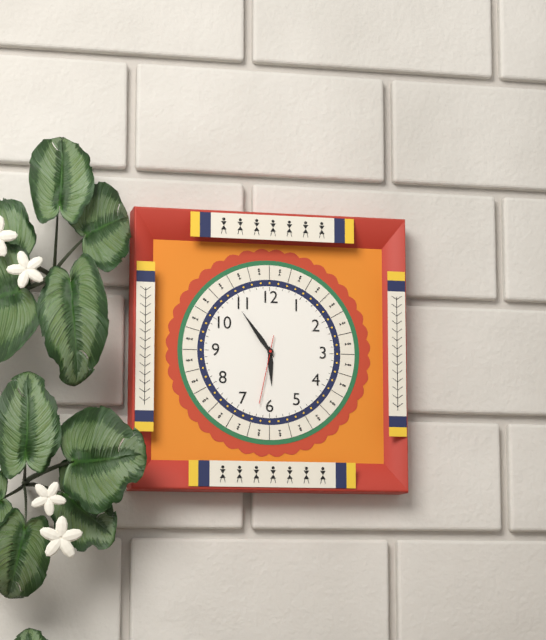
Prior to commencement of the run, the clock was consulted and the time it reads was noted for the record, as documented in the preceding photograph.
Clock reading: 5:54:32
